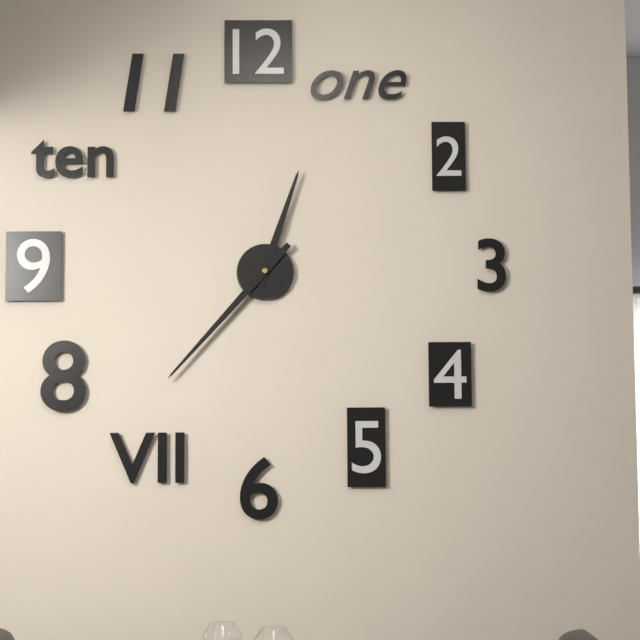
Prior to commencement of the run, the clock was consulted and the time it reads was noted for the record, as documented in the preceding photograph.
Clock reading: 12:37
